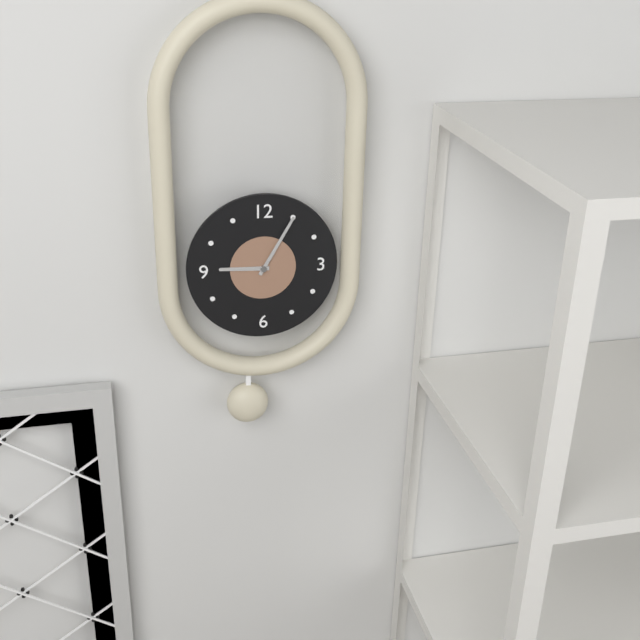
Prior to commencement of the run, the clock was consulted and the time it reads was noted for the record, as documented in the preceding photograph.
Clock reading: 9:05
